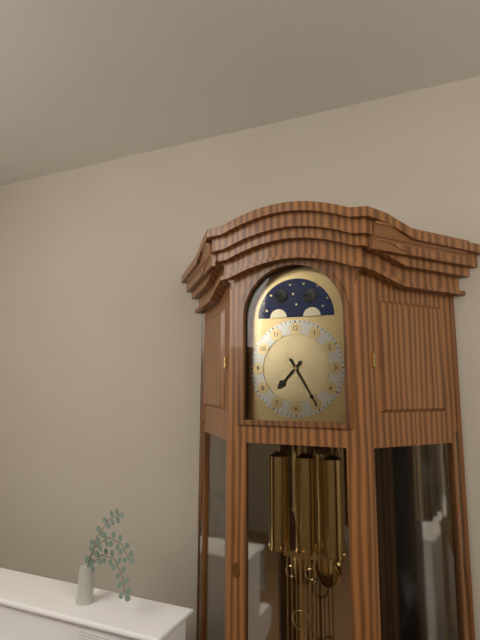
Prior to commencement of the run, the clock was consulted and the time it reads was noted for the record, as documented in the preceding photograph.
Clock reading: 7:25
